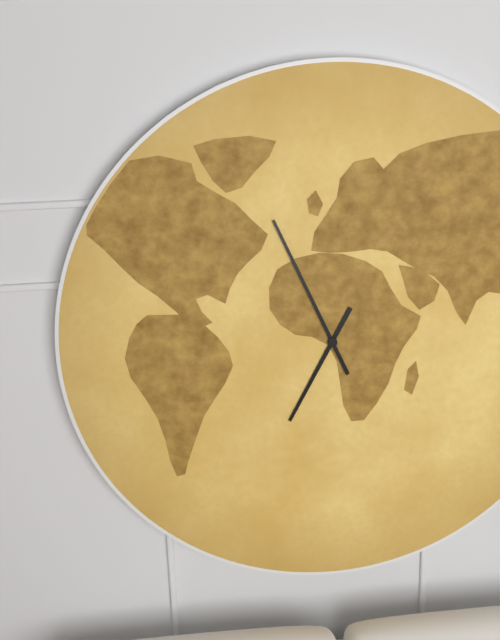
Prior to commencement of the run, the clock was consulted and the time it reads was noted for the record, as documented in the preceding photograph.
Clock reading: 6:56
